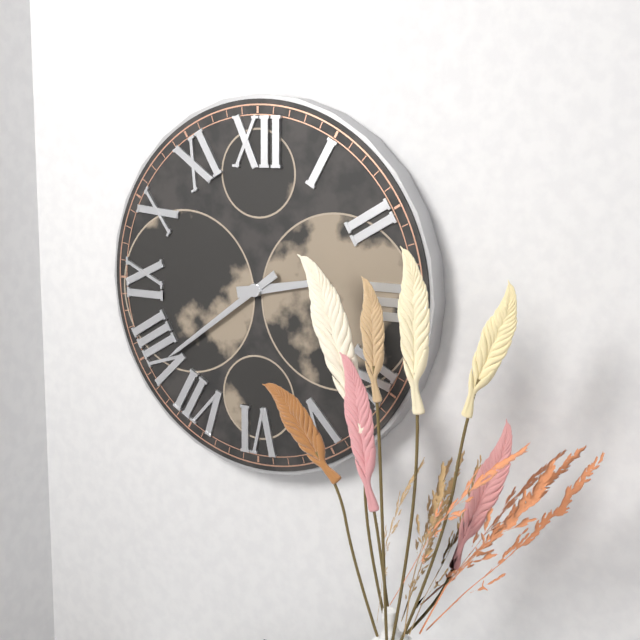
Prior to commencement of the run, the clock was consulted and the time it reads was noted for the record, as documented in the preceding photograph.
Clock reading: 2:39
